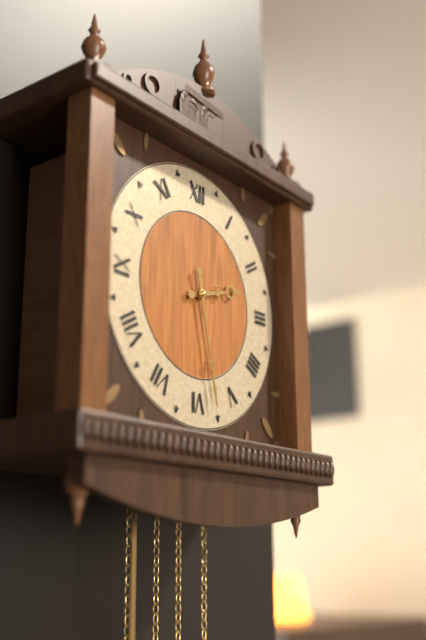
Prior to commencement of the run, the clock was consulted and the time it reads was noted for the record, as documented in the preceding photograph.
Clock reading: 2:28
